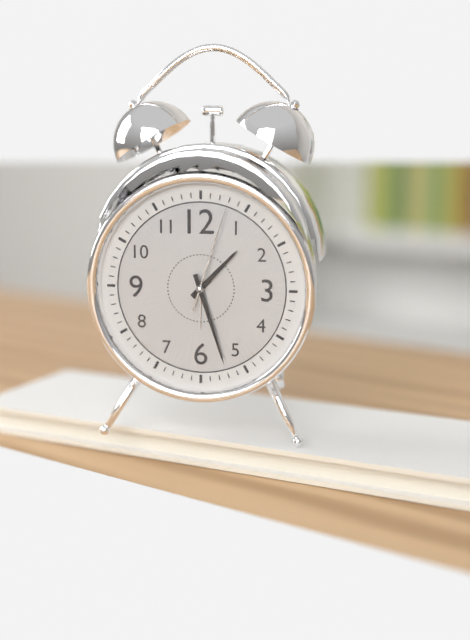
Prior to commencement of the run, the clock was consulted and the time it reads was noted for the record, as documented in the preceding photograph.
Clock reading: 1:27:03
